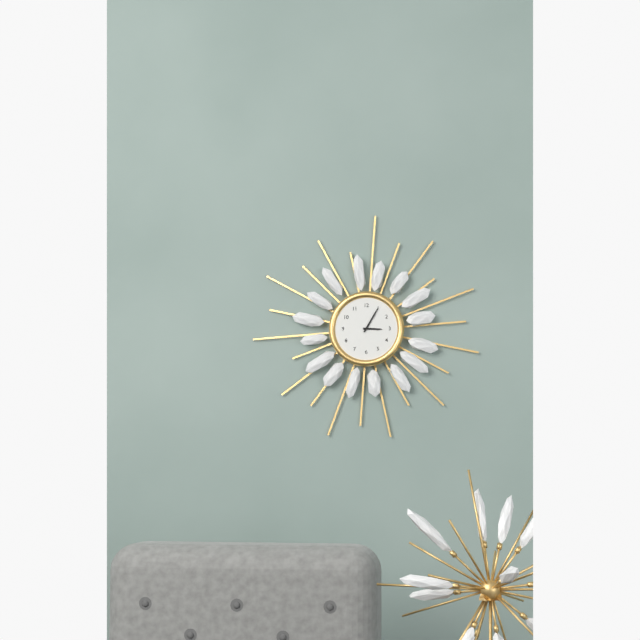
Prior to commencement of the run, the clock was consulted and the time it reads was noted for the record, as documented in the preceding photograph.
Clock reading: 3:05
